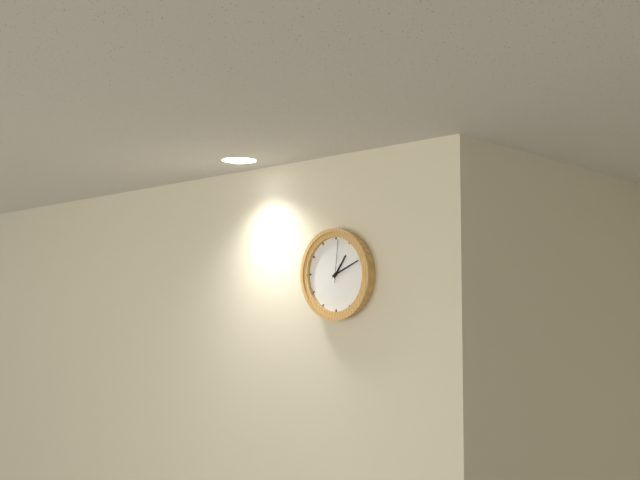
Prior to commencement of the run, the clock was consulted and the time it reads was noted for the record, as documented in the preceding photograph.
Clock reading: 1:11
